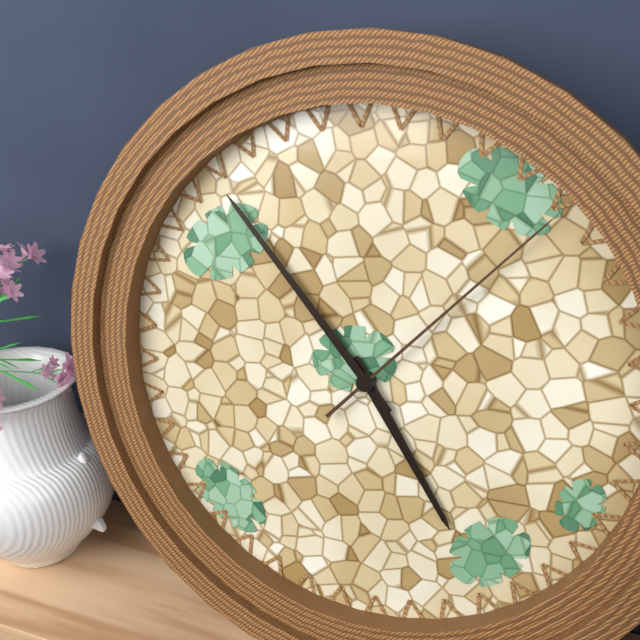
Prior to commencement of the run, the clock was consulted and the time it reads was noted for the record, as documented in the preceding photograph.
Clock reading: 4:53:07
